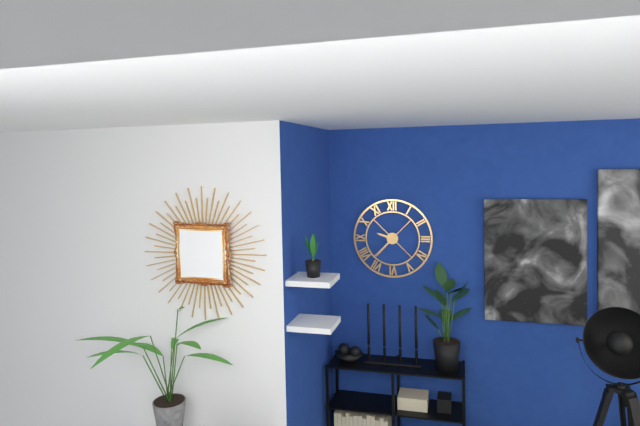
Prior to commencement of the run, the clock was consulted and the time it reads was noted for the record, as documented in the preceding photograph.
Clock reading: 9:37
